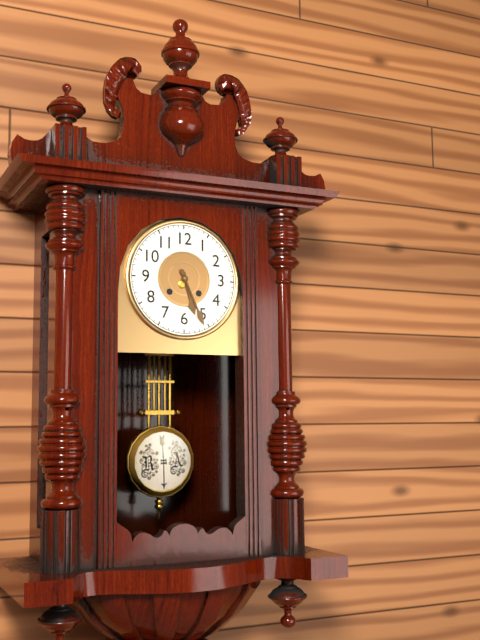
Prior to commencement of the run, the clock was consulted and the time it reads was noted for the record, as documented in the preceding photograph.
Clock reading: 5:26
